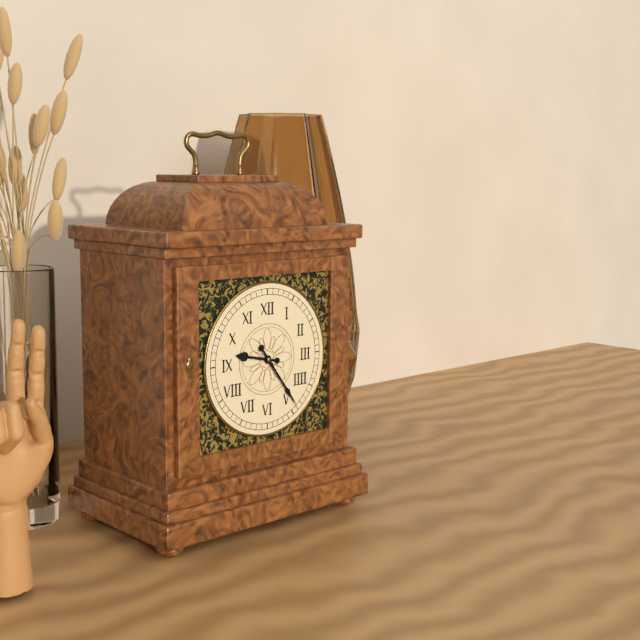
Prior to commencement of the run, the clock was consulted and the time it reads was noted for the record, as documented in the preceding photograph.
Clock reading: 9:24
